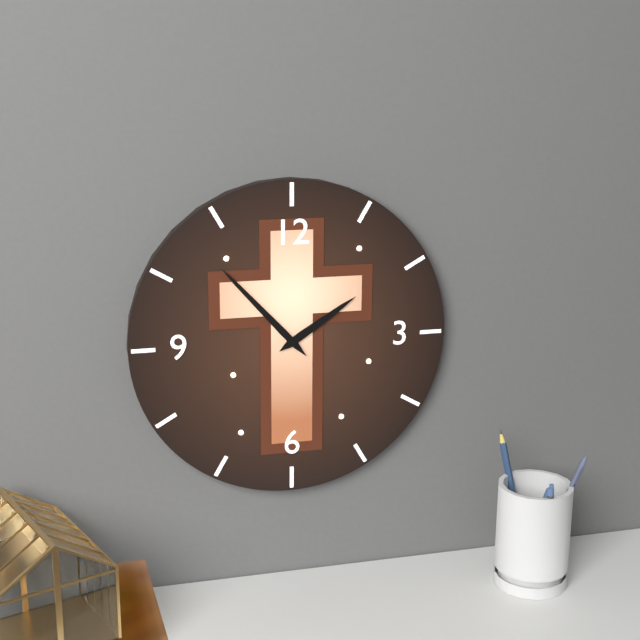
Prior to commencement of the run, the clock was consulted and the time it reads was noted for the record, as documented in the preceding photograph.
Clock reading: 1:53
